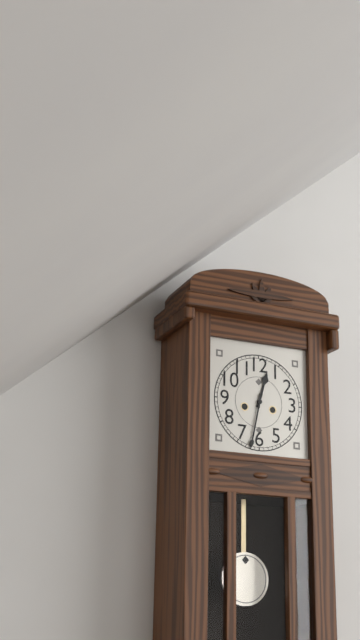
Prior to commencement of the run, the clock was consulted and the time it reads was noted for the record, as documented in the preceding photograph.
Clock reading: 12:32
